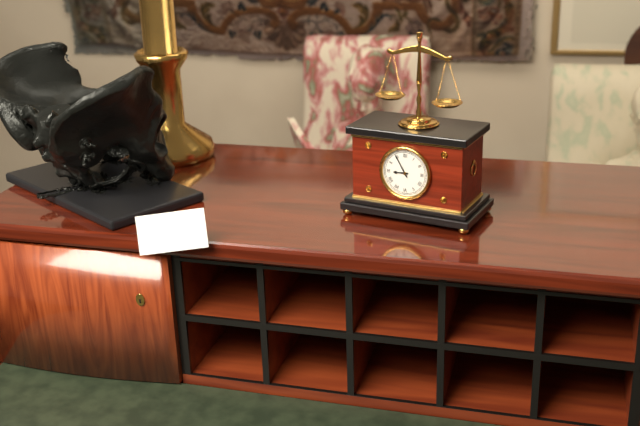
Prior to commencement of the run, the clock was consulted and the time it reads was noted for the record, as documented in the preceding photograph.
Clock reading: 8:55
